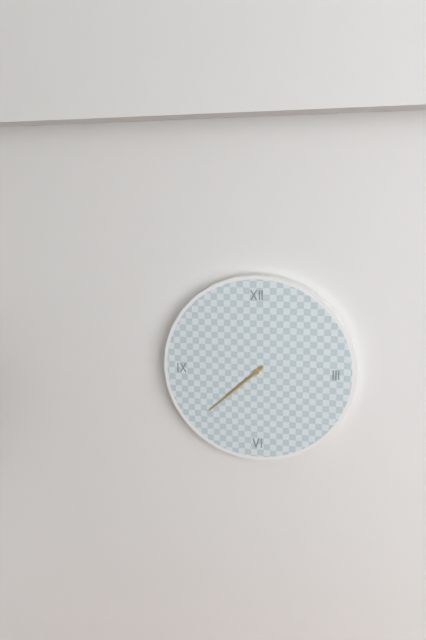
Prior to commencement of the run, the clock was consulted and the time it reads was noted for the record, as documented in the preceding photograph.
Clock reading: 7:38
